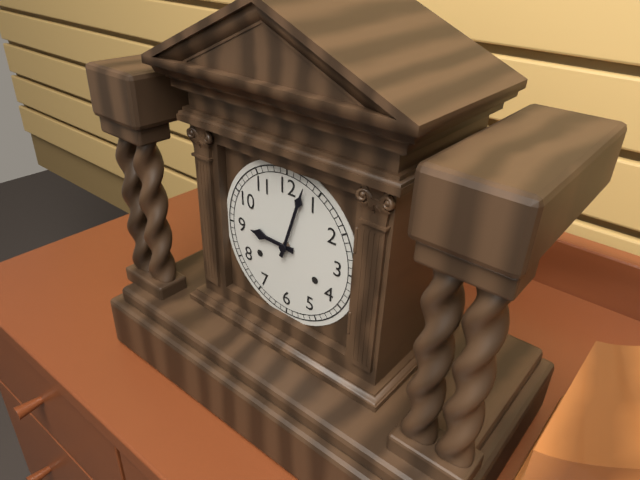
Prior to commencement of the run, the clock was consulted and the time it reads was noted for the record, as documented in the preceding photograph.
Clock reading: 9:03
